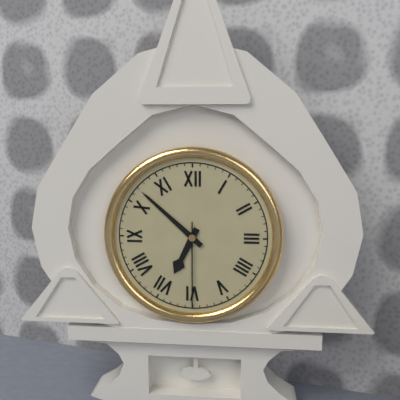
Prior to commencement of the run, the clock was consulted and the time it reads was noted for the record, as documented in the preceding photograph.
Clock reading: 6:52:30
